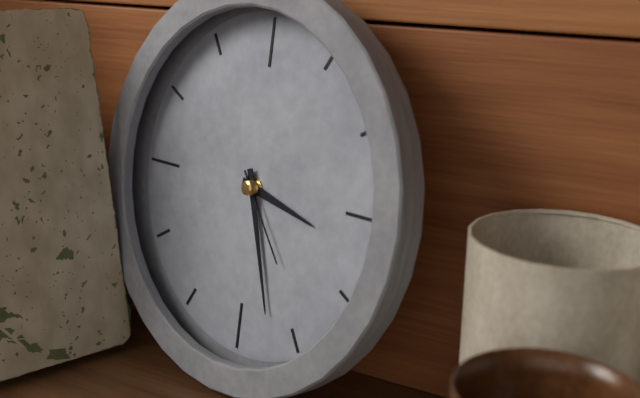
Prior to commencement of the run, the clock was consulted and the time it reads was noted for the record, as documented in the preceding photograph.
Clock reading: 3:27:24
